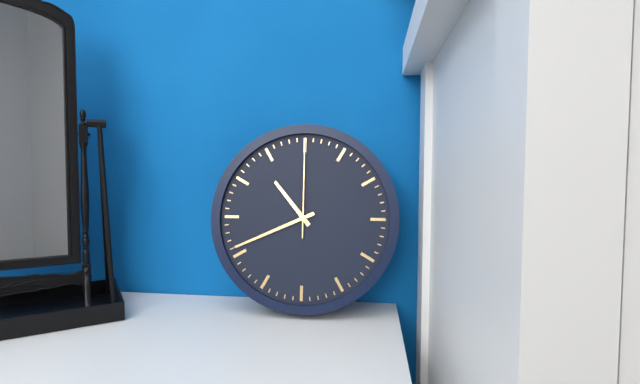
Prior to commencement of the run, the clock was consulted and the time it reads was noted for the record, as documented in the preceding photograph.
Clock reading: 10:41:00
